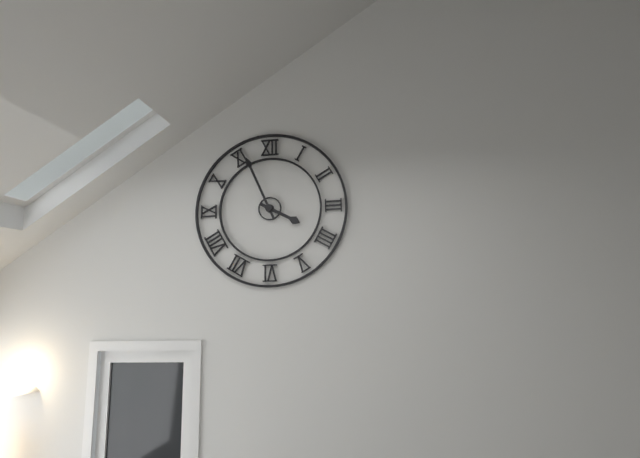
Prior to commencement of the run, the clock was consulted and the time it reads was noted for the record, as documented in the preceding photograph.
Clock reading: 3:56
